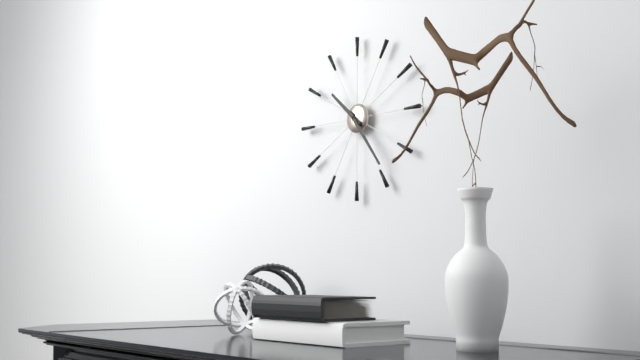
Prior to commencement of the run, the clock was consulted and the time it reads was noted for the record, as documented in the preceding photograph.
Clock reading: 10:24
